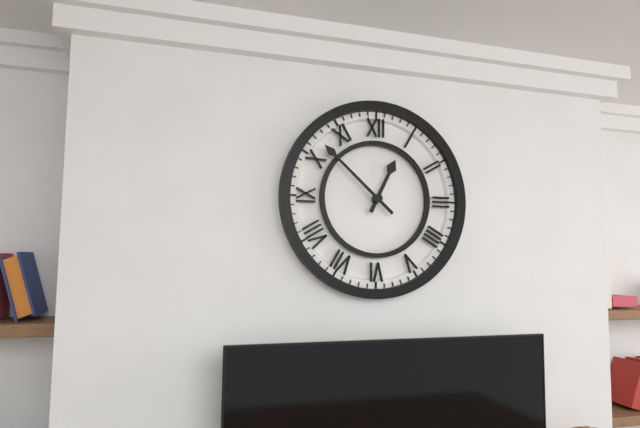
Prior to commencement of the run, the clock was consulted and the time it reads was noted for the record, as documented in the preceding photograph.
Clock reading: 12:52
